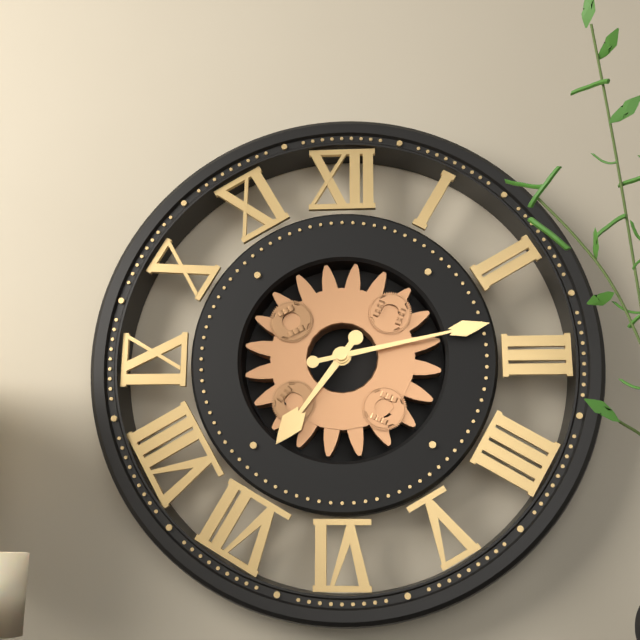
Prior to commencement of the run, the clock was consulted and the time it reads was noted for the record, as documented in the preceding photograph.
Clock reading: 7:13
